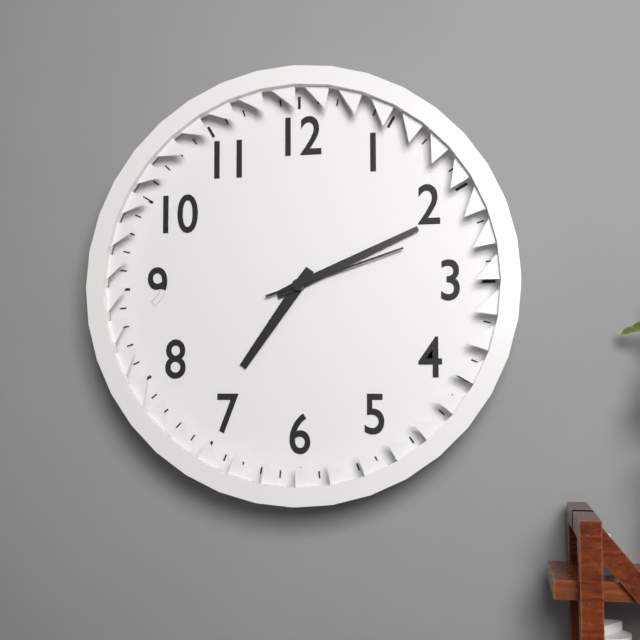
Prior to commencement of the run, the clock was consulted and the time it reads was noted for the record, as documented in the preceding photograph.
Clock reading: 7:11:12
